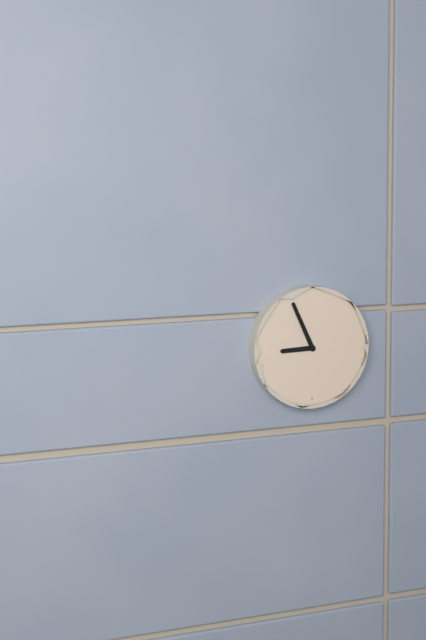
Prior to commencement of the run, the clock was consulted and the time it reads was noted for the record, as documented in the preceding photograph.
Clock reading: 8:56
